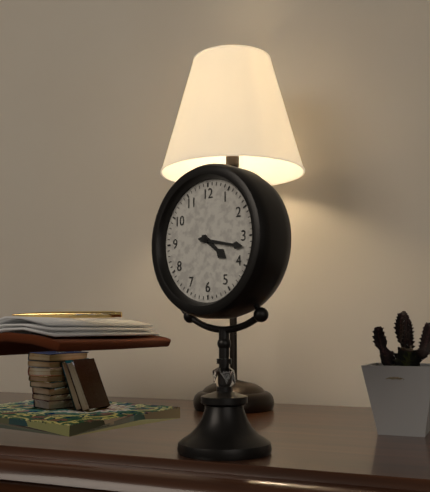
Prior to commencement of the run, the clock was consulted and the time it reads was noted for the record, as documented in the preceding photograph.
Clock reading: 4:17
